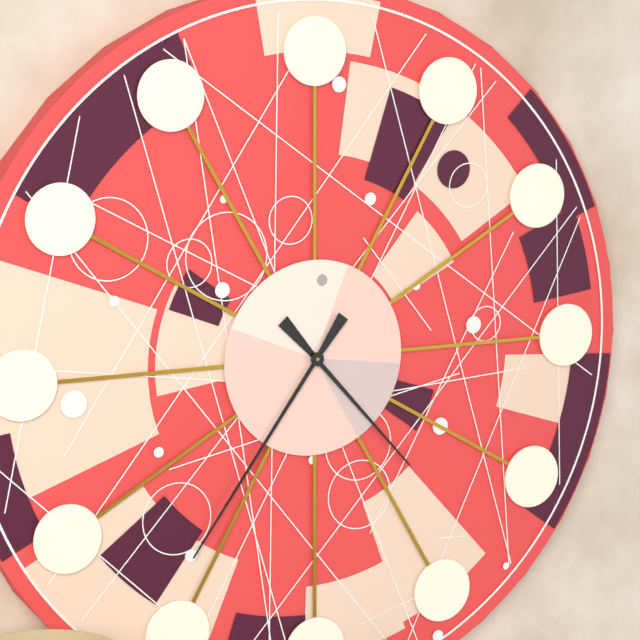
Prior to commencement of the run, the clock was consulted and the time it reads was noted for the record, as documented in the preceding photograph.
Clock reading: 4:36
